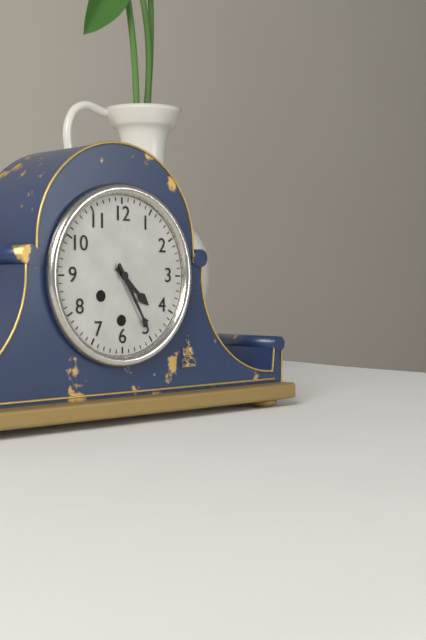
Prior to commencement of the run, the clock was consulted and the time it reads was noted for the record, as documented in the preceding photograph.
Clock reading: 4:25
